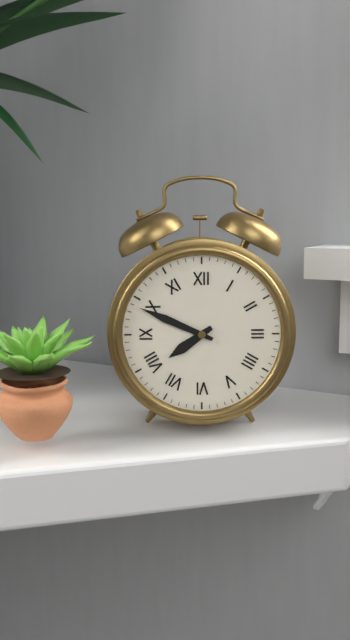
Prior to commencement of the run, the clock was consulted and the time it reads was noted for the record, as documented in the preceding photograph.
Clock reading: 7:49
